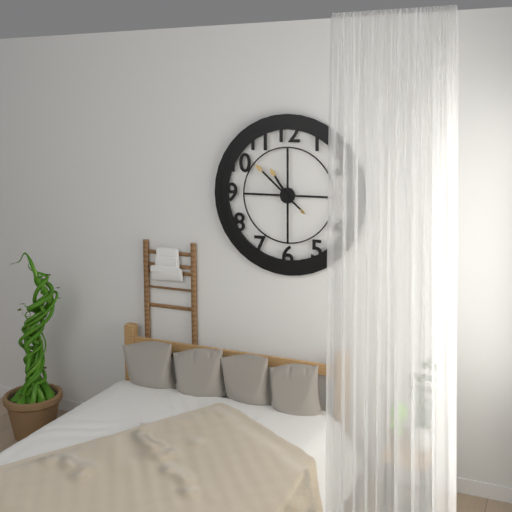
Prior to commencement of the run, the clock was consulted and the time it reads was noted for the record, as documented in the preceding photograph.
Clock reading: 10:52
